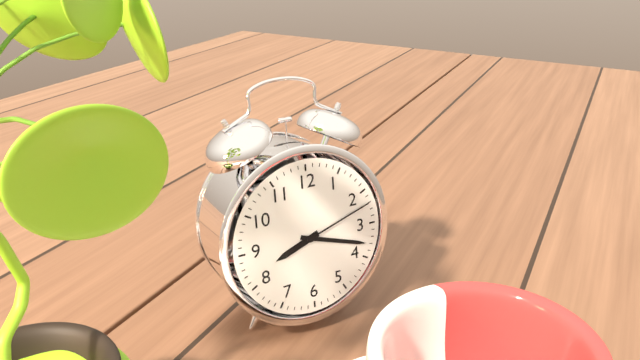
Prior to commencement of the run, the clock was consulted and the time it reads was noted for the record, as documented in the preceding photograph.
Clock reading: 8:18:12
